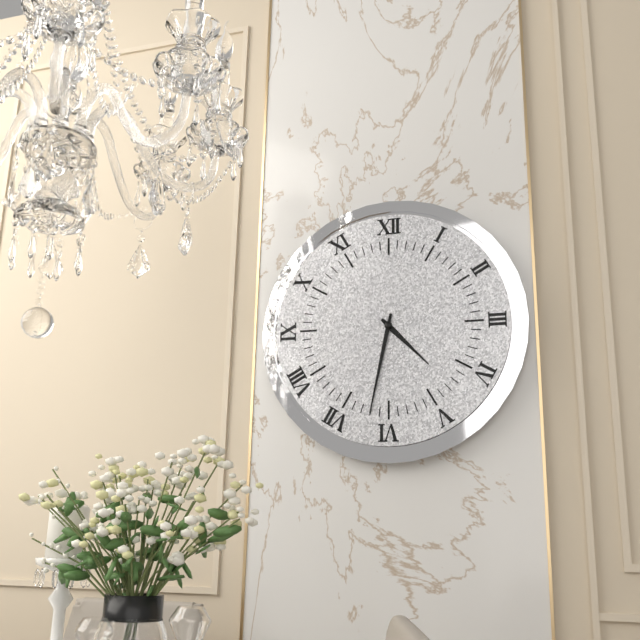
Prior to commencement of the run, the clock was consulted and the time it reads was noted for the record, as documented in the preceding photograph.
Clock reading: 4:32
